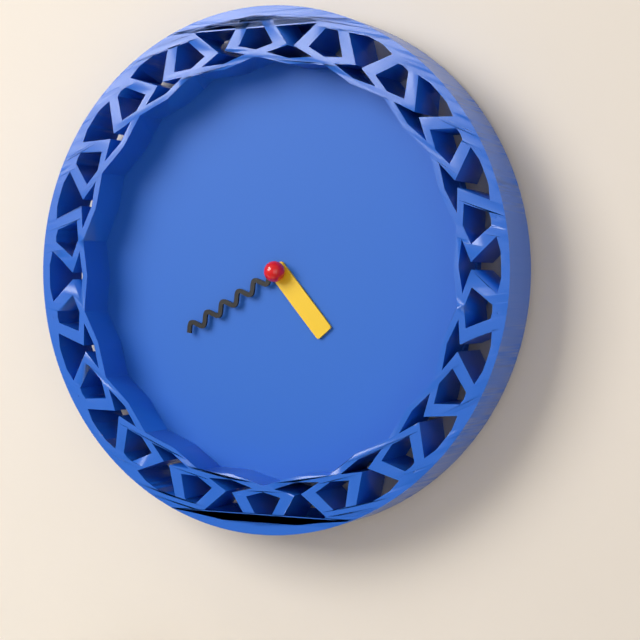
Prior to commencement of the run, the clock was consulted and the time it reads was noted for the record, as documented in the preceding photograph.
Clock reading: 4:40
